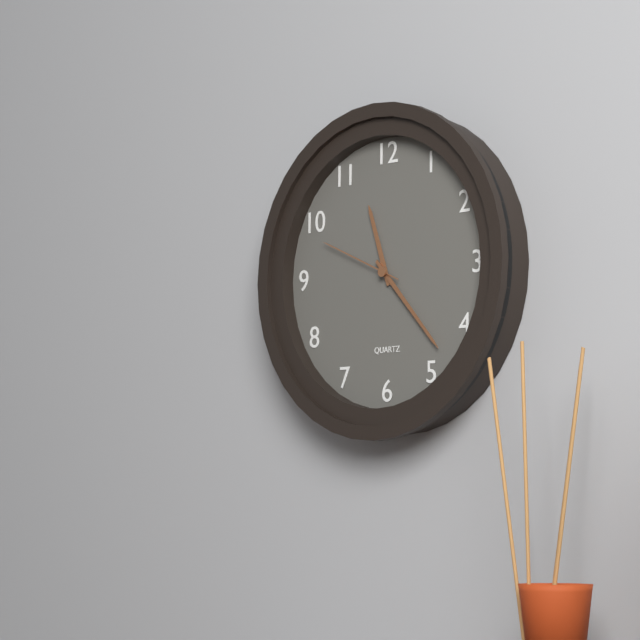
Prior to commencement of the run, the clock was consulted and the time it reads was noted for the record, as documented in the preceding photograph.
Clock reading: 11:23:49
